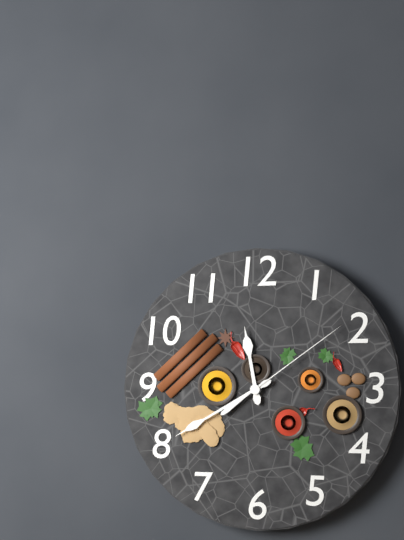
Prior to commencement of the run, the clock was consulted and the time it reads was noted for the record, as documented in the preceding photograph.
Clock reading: 11:40:09
